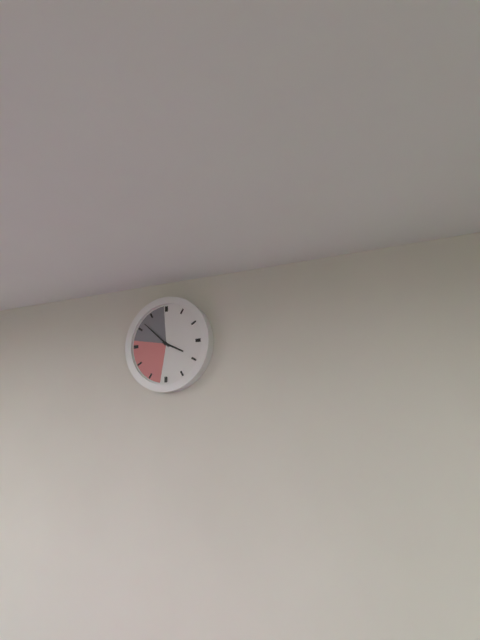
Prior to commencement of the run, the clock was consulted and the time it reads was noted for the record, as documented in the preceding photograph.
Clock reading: 3:52
